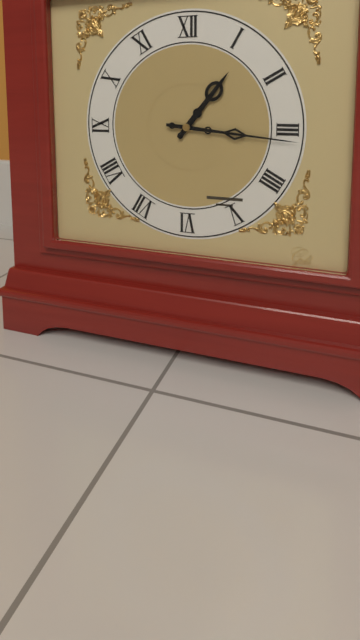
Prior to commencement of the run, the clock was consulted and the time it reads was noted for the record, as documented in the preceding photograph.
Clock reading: 1:16
